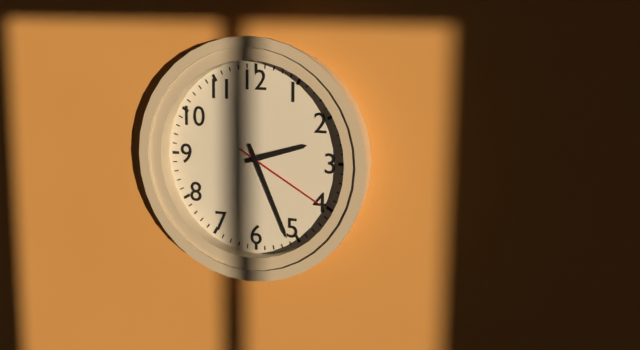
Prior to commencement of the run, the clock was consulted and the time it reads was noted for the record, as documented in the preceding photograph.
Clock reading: 2:26:20
